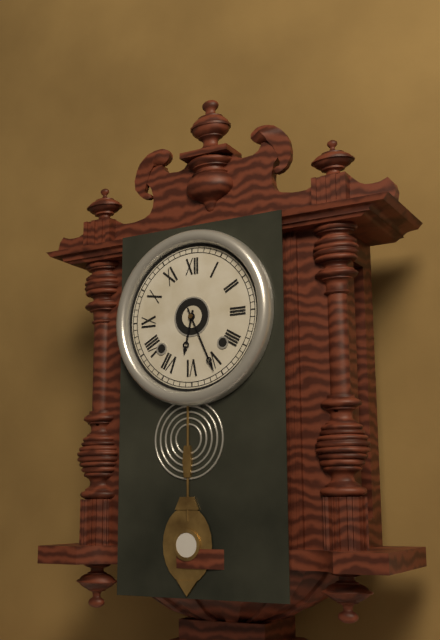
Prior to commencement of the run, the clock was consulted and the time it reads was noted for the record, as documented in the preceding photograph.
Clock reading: 6:26
